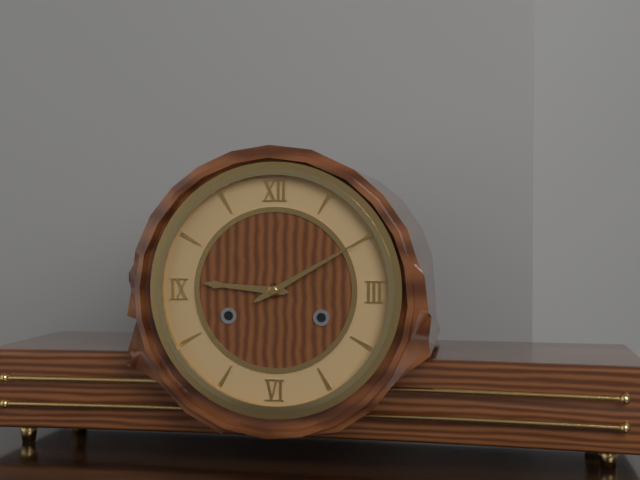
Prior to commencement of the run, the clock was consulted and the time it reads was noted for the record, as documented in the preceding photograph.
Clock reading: 9:10
